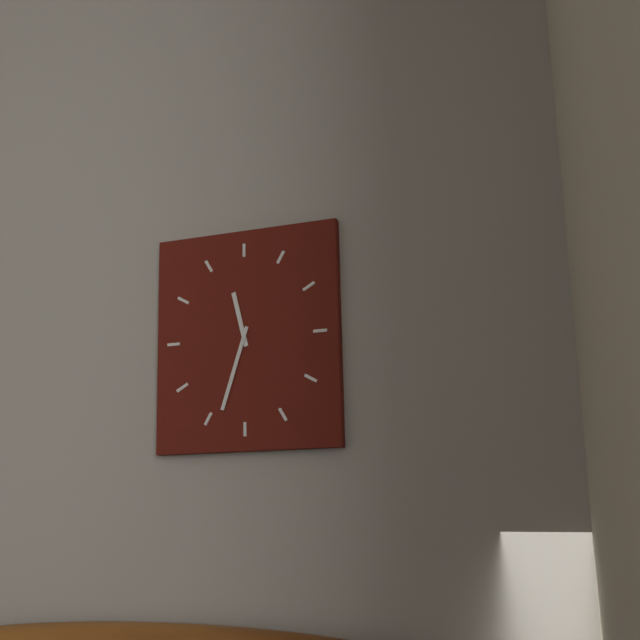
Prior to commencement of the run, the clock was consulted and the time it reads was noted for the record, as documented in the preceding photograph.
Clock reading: 11:33
